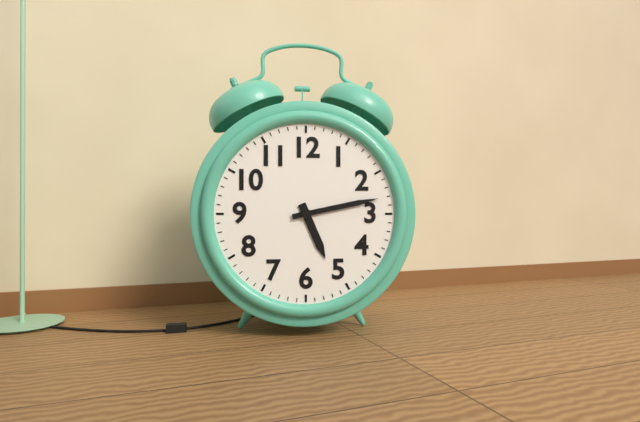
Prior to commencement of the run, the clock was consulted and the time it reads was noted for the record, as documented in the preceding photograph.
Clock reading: 5:13
